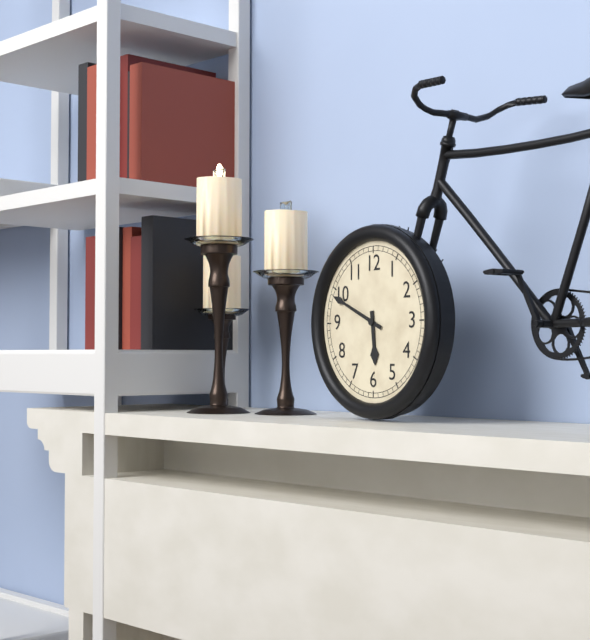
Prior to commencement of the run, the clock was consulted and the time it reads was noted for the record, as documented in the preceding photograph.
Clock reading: 5:49
